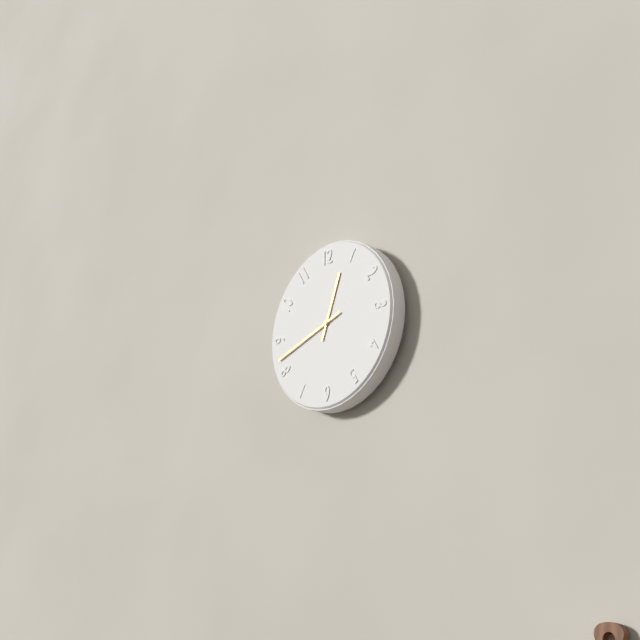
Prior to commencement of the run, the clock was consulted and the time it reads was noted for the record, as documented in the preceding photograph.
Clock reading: 12:42
